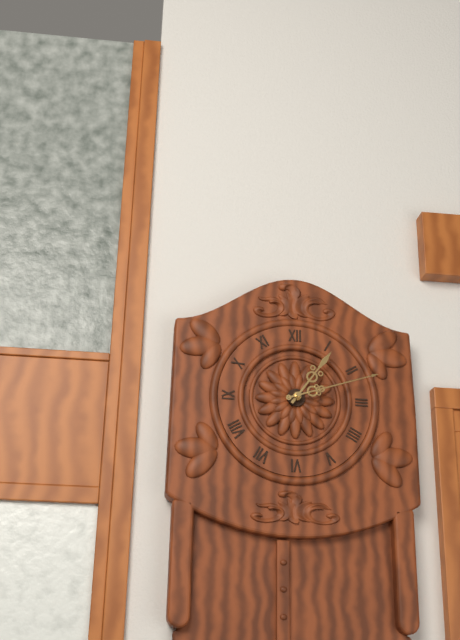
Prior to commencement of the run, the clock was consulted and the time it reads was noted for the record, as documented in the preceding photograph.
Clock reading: 1:12
